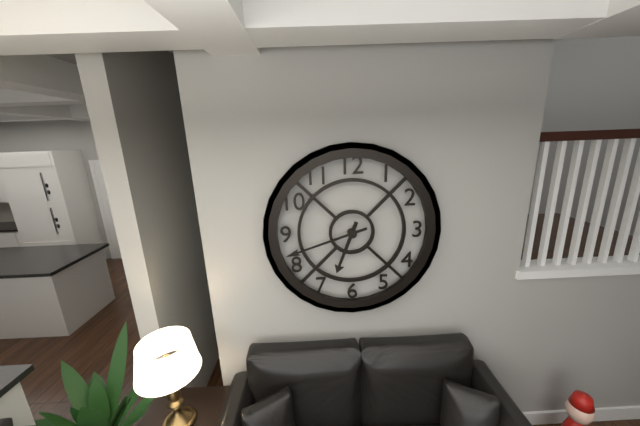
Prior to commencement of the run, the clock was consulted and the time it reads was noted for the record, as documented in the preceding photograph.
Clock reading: 6:42
